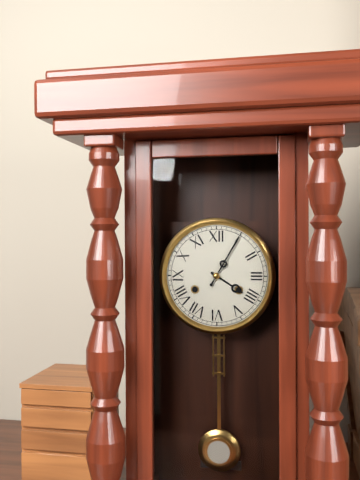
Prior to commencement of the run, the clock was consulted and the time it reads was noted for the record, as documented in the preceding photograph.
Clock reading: 4:05
